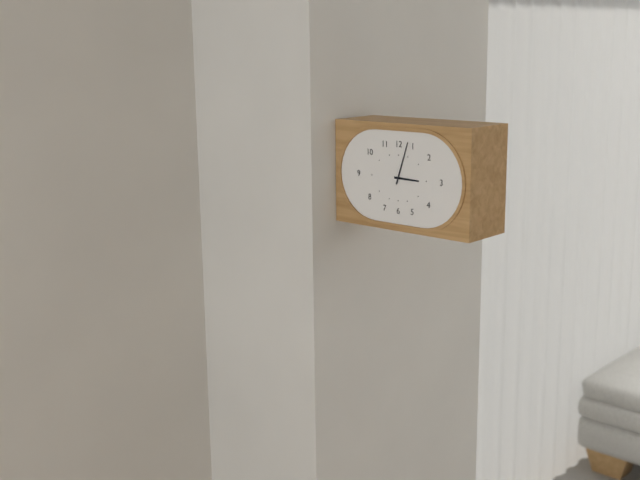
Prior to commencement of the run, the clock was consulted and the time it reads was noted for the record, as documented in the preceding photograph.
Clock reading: 3:03
